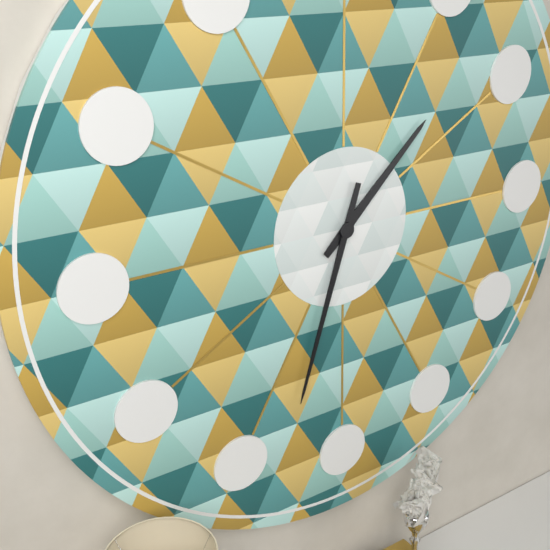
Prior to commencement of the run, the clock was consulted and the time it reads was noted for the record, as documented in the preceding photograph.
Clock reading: 1:33
